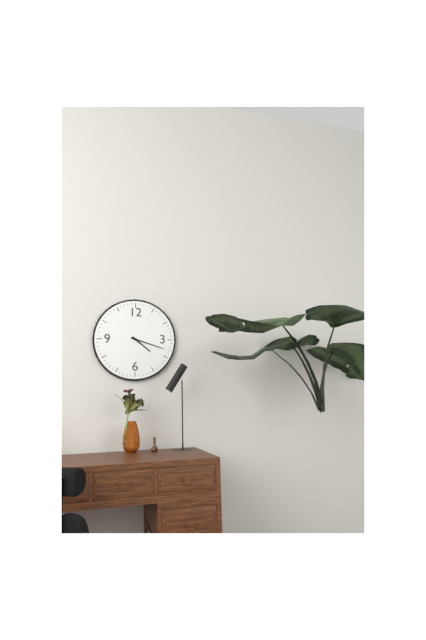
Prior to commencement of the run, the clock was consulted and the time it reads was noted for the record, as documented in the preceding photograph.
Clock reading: 4:18
